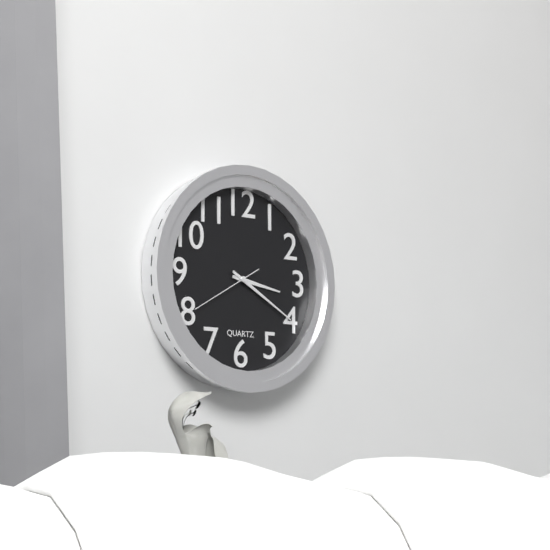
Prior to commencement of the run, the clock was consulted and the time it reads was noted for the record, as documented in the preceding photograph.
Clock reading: 3:20:40
